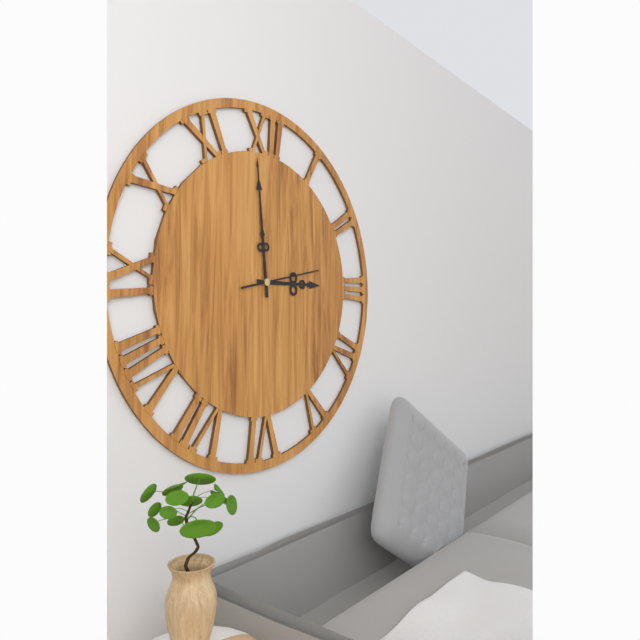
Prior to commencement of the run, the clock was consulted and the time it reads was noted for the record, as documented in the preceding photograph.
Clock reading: 2:59:13
